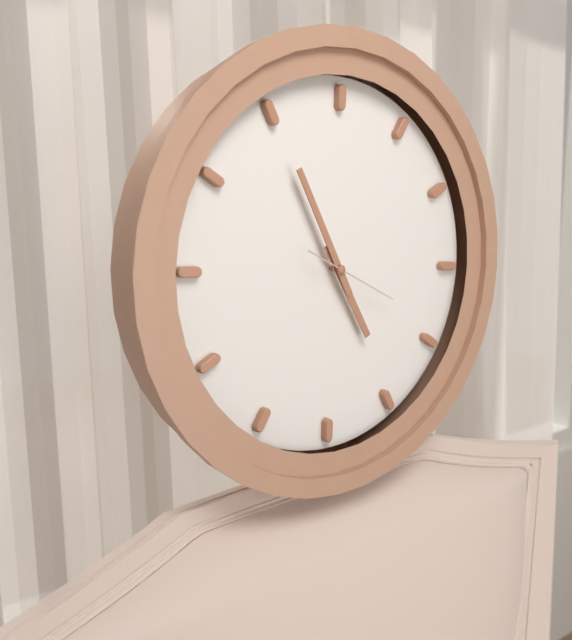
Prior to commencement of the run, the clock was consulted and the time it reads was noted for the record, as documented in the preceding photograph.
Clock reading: 4:55:19
